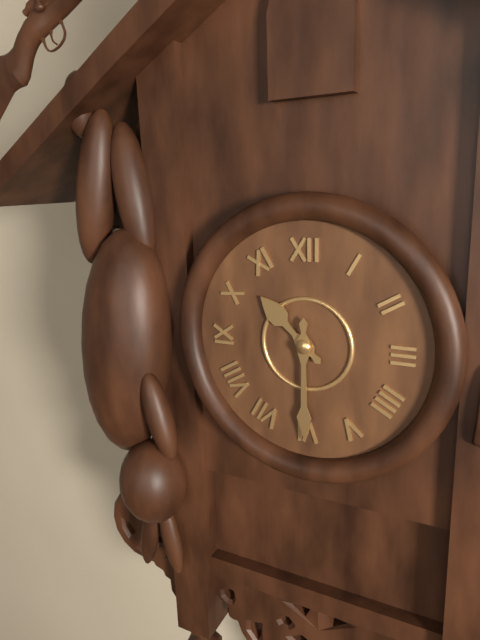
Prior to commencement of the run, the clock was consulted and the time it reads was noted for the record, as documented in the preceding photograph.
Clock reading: 10:30
